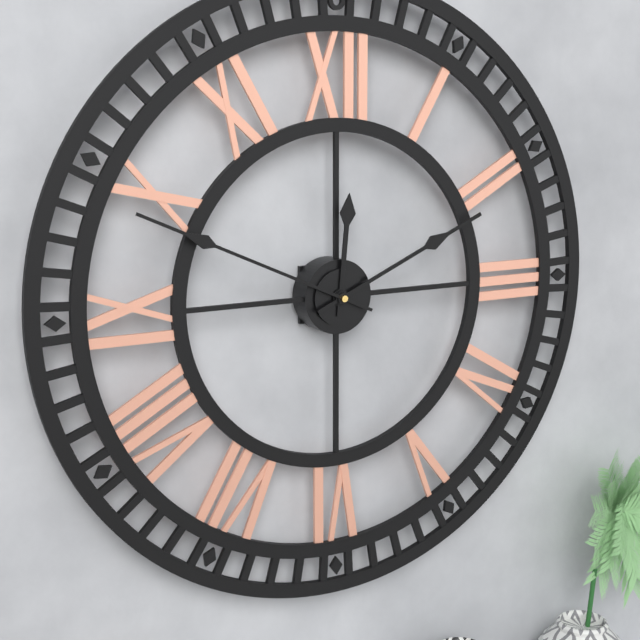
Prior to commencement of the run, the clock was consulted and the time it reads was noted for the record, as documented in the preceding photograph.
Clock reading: 12:11:49
